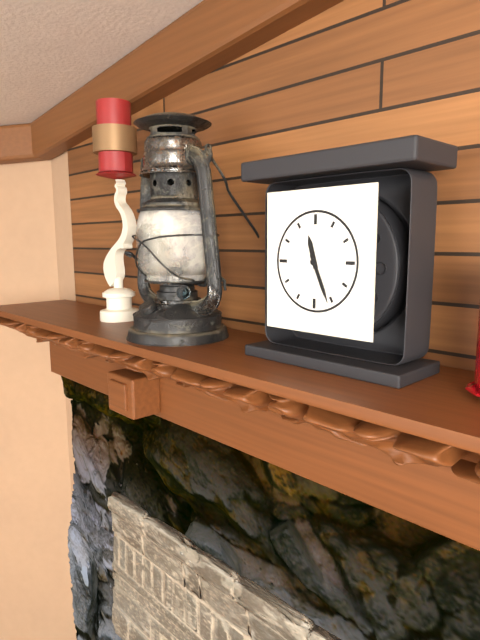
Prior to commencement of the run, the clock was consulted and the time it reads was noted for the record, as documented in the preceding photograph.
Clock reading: 11:26
